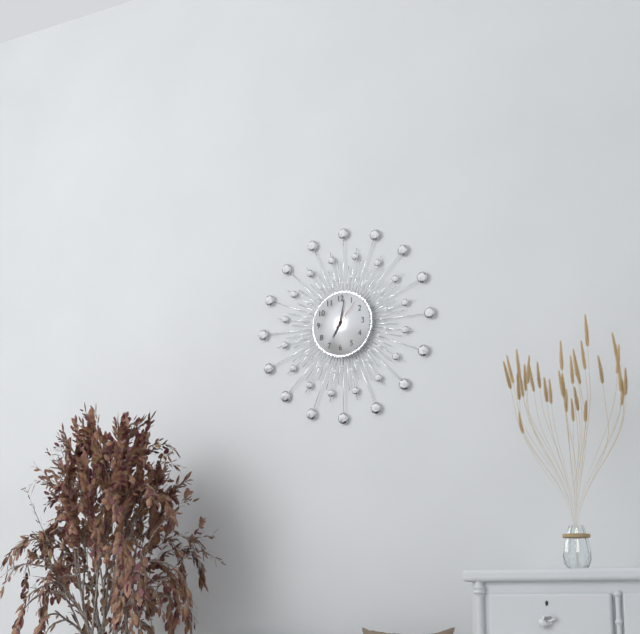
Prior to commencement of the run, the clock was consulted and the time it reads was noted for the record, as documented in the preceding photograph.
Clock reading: 7:02
